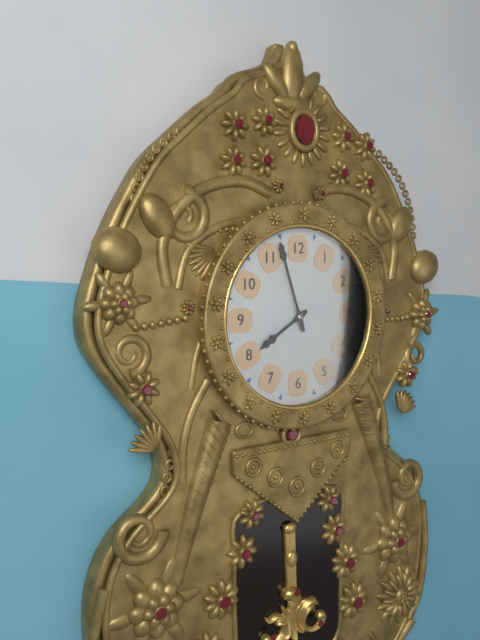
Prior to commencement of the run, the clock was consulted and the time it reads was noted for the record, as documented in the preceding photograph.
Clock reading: 7:57
